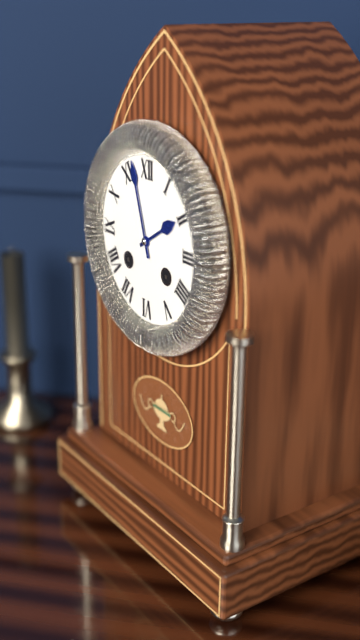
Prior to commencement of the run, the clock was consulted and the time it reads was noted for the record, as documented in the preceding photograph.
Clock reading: 1:57
